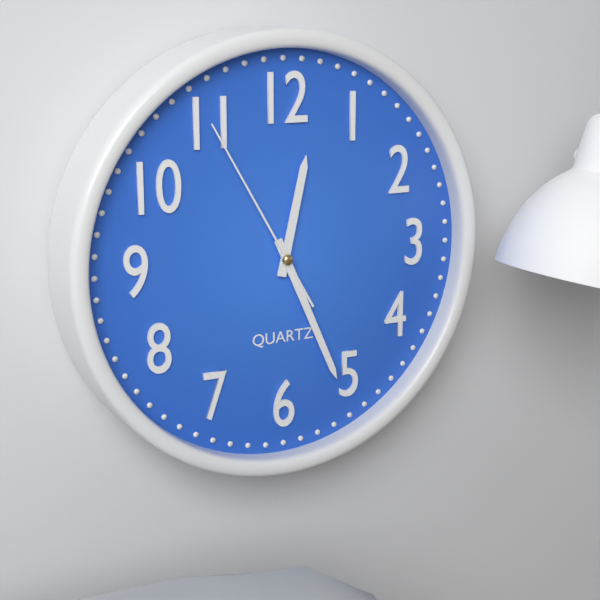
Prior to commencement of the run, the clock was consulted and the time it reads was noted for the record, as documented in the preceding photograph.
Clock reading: 12:26:55
